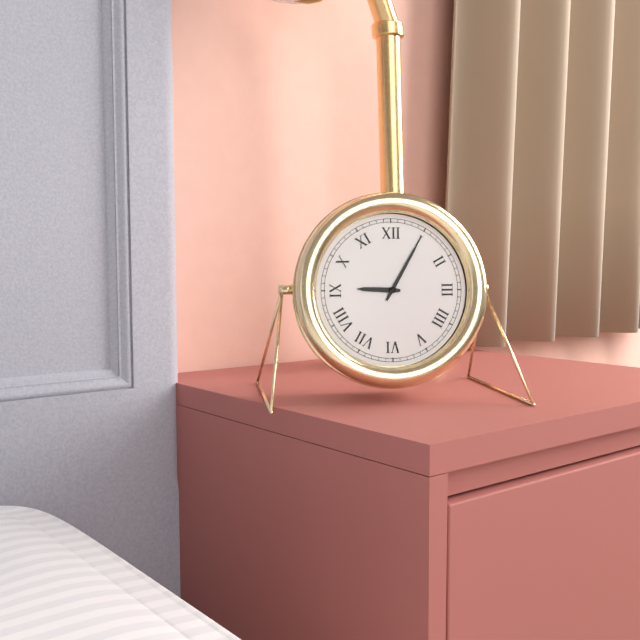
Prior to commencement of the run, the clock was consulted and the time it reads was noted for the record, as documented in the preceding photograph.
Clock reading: 9:05
